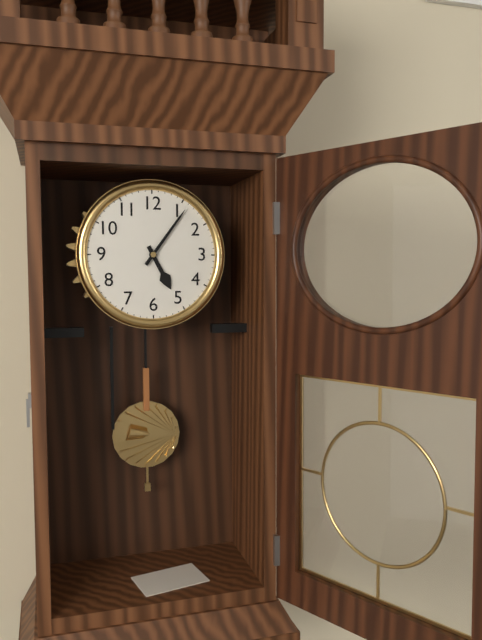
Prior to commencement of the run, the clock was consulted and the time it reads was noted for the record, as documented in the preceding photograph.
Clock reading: 5:06
